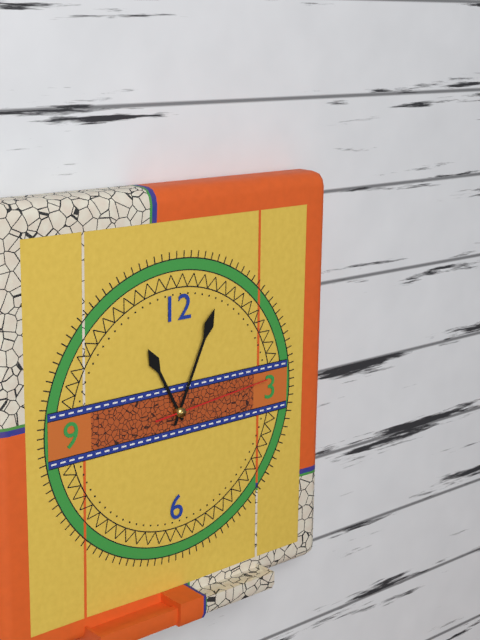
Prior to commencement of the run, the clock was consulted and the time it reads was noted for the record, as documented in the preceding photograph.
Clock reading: 11:04:14
